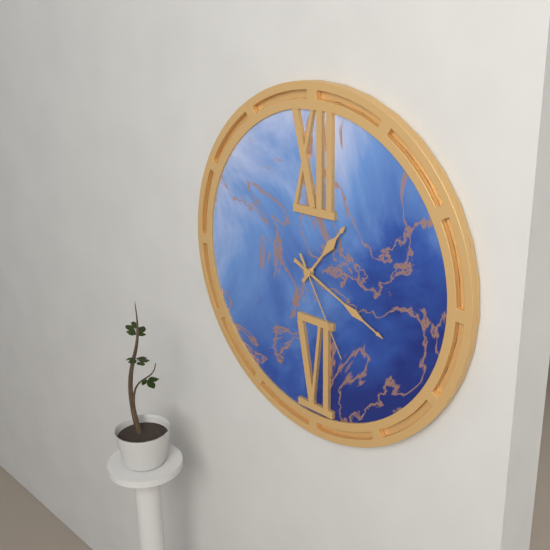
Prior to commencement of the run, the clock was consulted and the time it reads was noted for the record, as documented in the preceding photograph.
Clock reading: 1:19:25
